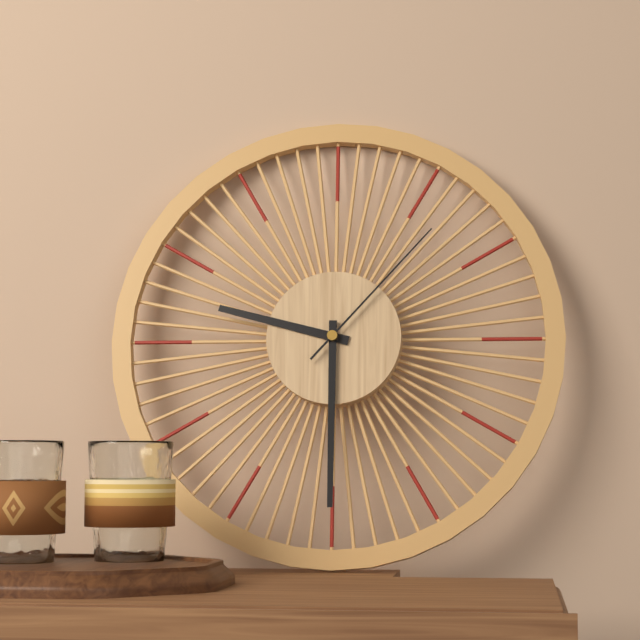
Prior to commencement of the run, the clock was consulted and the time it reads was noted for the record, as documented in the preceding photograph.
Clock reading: 9:30:07
